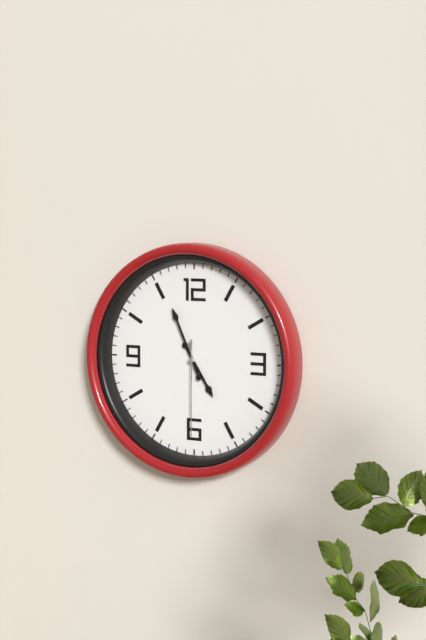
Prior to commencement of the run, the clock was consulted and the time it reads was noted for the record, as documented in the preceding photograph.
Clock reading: 4:56:30
